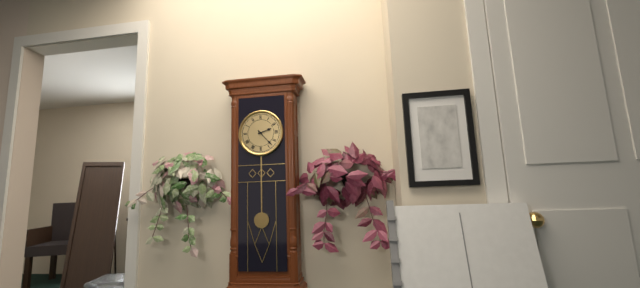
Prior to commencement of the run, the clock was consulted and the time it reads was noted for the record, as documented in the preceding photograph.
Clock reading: 2:23
